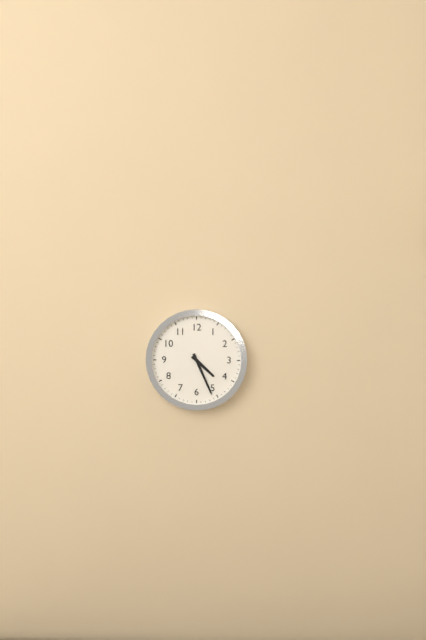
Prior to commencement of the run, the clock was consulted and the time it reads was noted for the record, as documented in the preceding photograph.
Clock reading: 4:26
